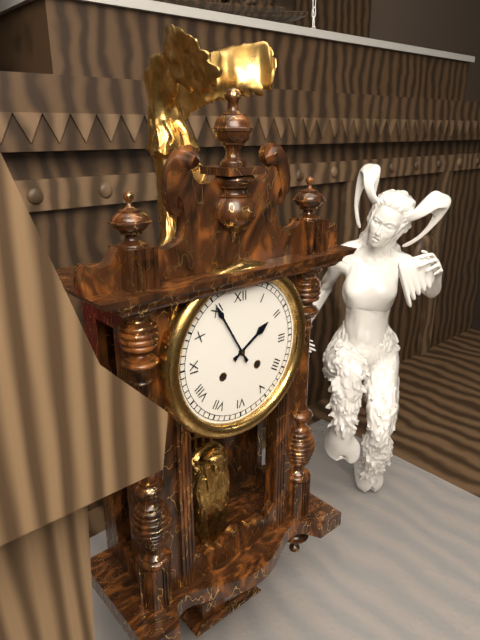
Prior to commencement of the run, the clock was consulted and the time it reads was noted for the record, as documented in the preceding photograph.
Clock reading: 1:55
